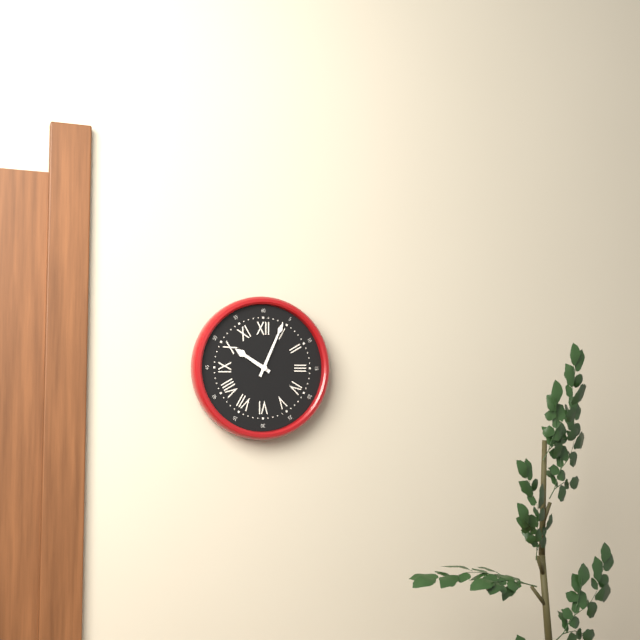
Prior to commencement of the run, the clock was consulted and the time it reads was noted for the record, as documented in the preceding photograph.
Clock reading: 10:04
